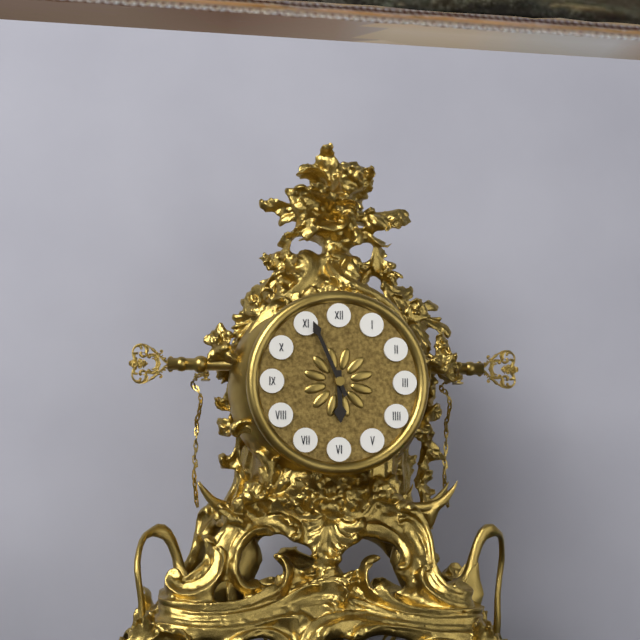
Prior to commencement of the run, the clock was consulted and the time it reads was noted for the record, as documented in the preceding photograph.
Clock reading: 5:56
